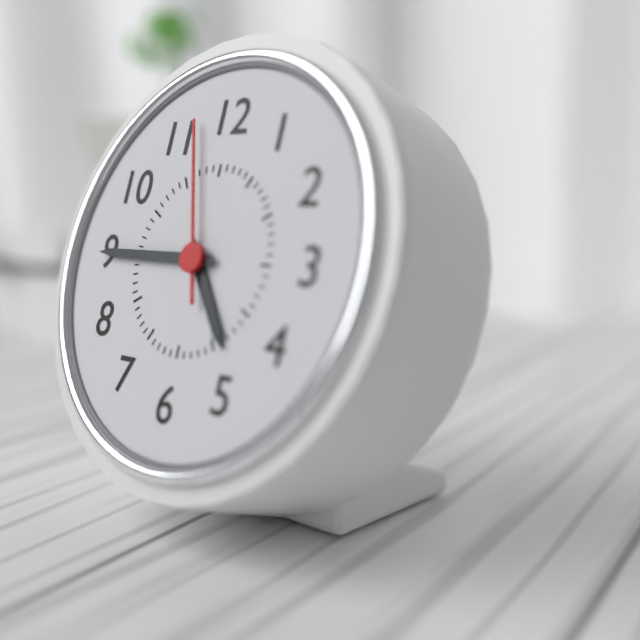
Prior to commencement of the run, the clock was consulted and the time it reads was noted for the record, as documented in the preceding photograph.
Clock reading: 4:45:57
